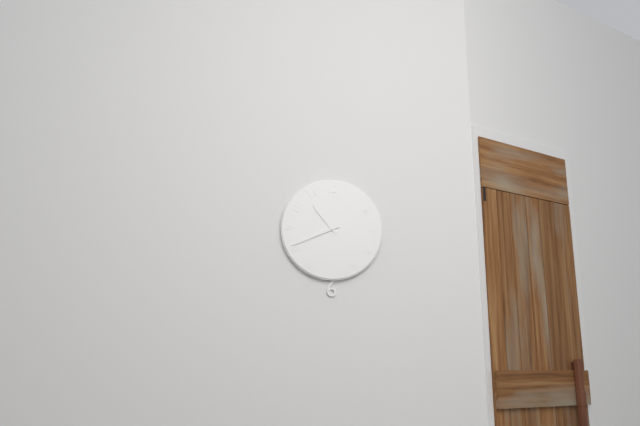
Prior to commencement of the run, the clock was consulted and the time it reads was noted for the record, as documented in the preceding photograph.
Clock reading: 10:41
